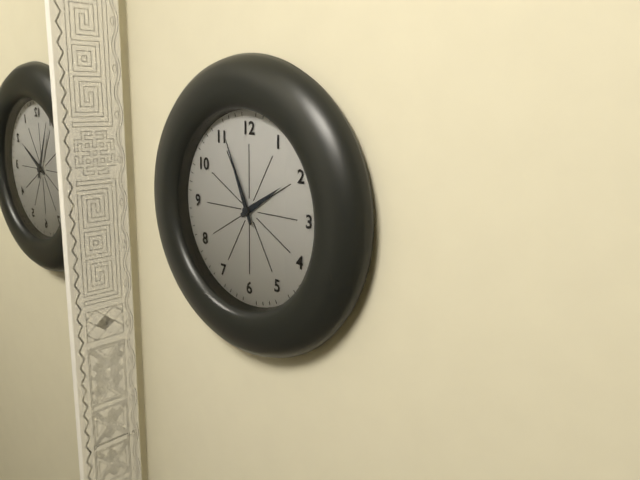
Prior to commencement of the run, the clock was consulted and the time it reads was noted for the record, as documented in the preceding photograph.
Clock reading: 1:56
